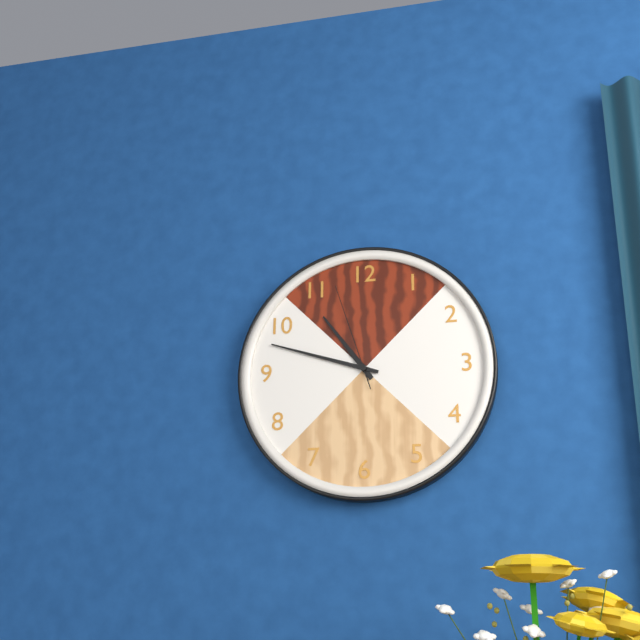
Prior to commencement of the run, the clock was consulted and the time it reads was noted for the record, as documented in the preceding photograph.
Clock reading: 10:48:57
